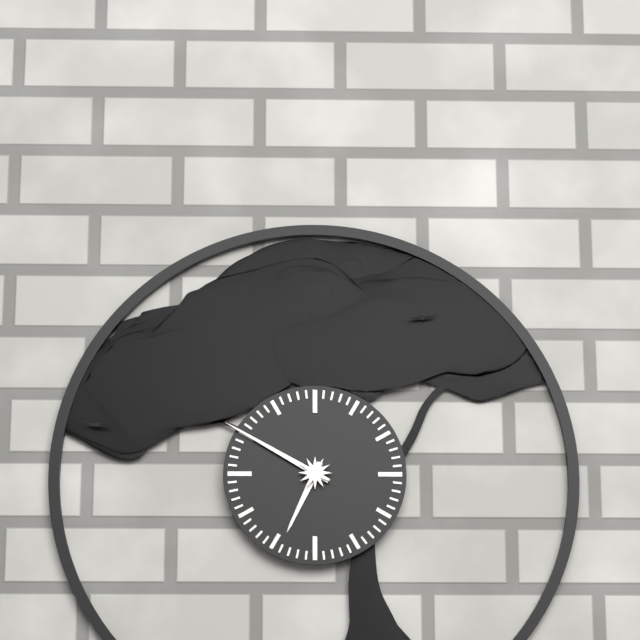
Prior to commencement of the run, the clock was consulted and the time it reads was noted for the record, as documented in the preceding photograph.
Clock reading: 6:50
